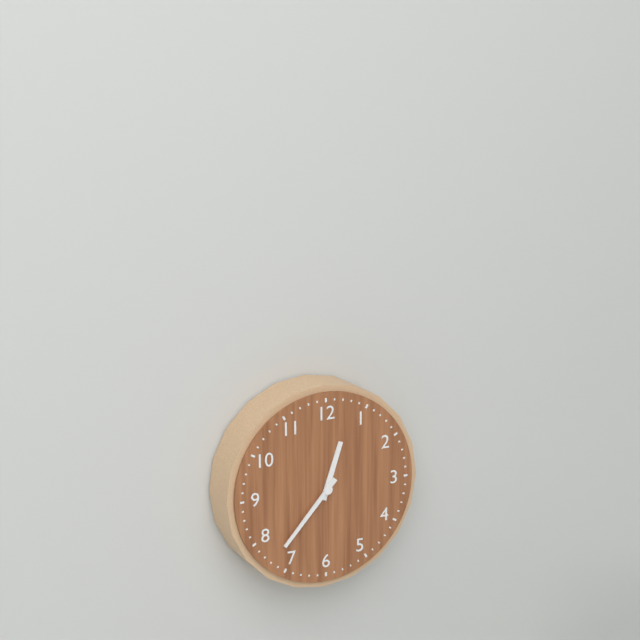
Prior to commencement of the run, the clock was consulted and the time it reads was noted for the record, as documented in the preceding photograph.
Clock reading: 12:37
